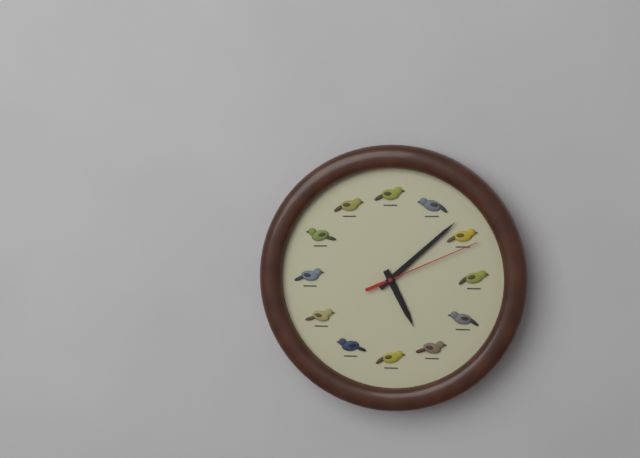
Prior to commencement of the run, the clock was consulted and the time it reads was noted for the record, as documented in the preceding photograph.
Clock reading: 5:08:11
